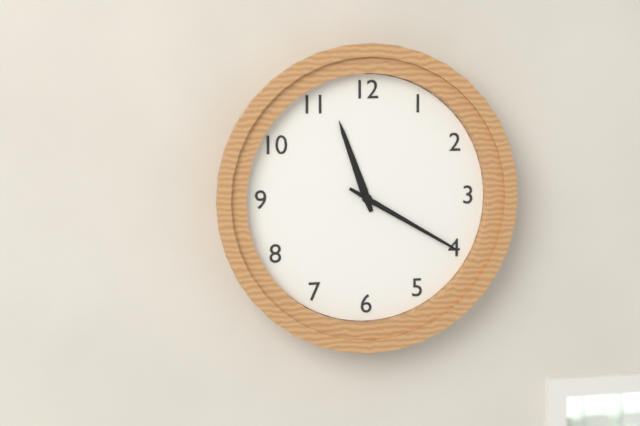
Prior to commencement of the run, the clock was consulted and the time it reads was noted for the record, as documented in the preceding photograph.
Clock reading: 11:20
